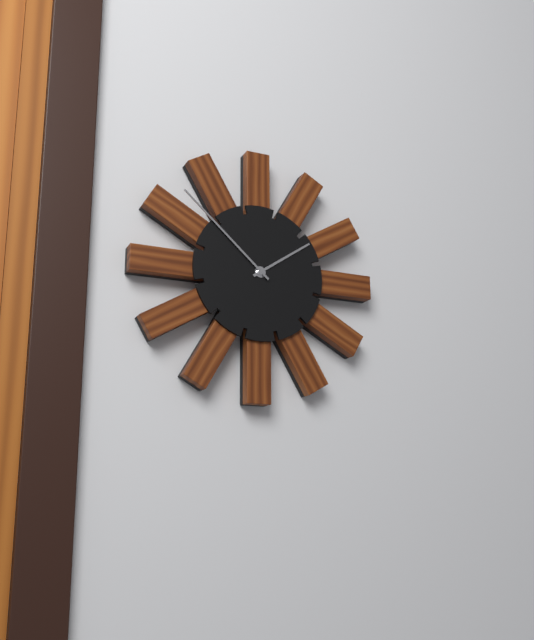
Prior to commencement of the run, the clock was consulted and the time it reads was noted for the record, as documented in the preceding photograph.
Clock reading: 1:52
